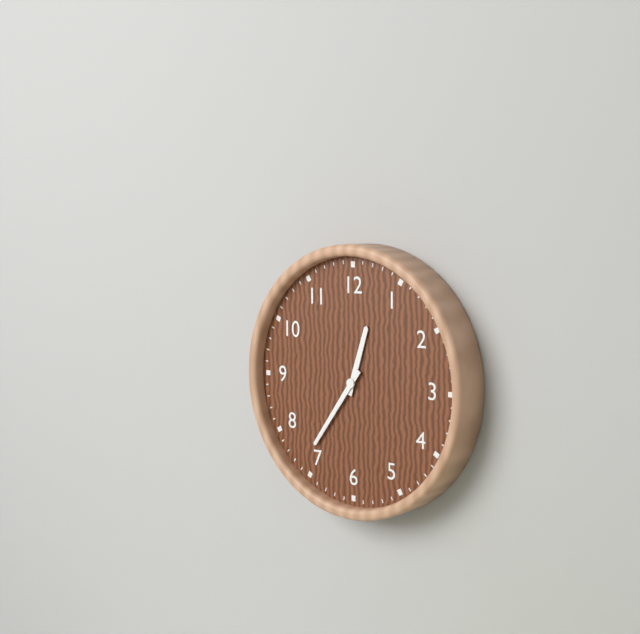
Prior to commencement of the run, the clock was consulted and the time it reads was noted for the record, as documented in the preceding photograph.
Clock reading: 12:36
